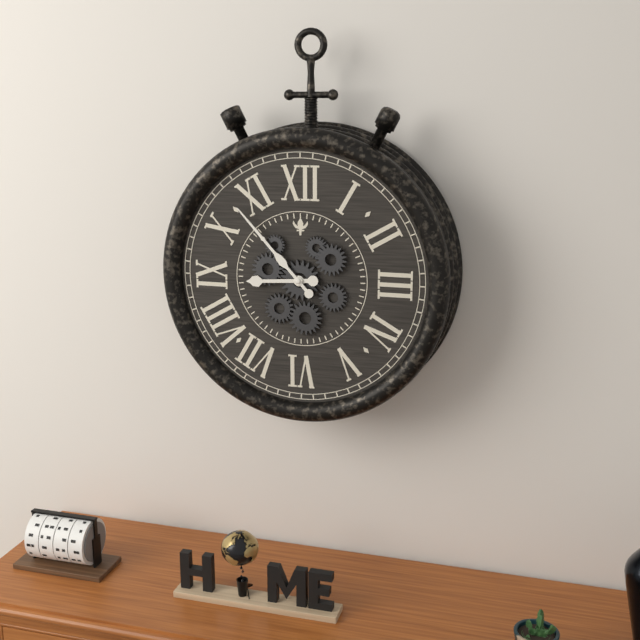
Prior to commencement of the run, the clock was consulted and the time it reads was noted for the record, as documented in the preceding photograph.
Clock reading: 8:53
